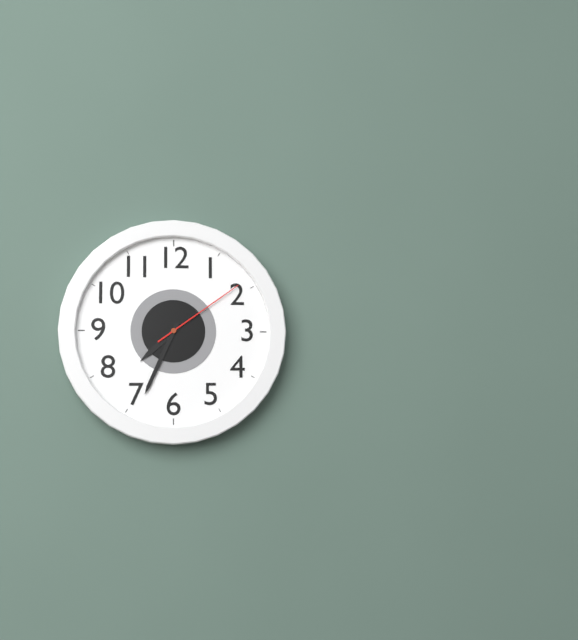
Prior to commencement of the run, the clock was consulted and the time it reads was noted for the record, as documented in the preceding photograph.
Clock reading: 7:34:09
